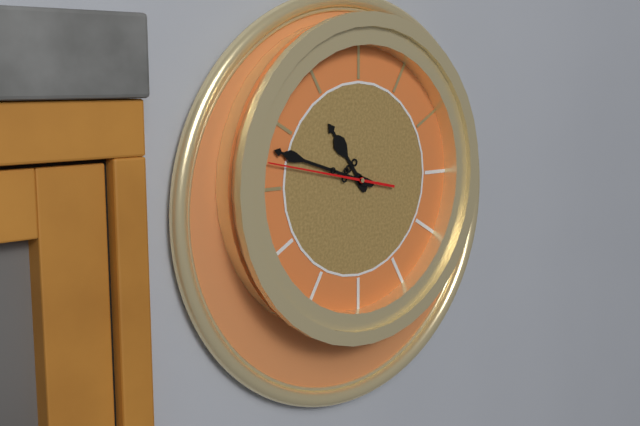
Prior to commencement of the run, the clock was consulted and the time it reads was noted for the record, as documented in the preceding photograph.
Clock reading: 10:48:47
